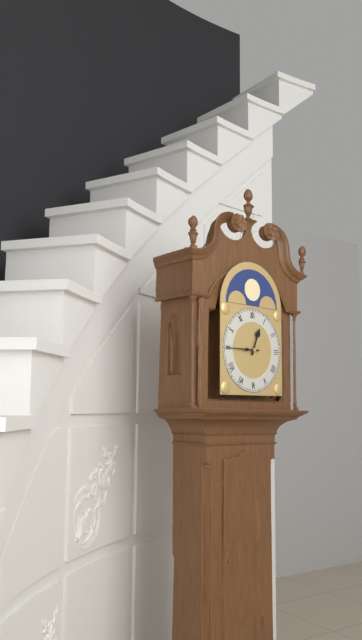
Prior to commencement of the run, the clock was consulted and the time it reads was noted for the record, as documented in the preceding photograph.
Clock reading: 12:45
